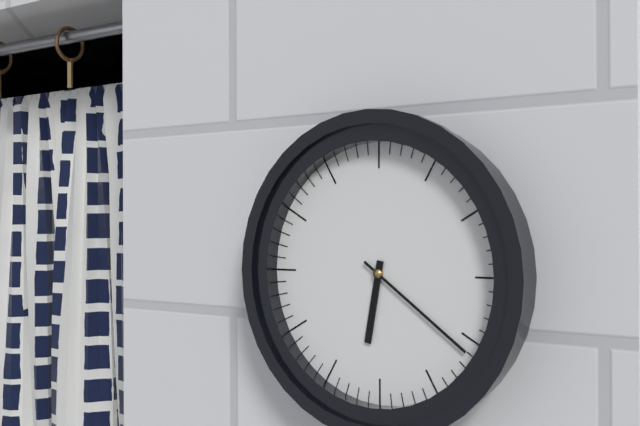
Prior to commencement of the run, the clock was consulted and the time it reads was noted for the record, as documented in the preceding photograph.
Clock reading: 6:21
